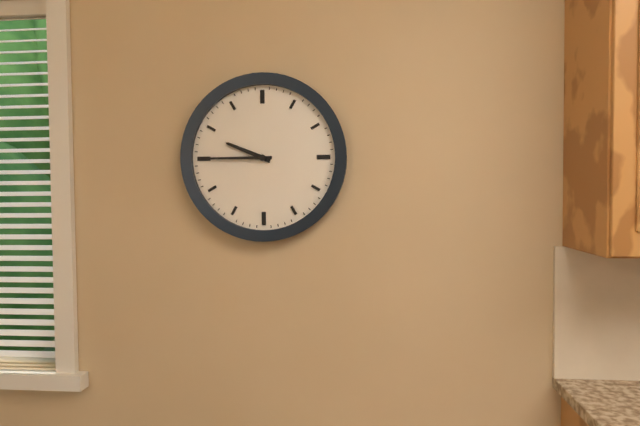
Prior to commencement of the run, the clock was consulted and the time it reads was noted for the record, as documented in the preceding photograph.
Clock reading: 9:45
